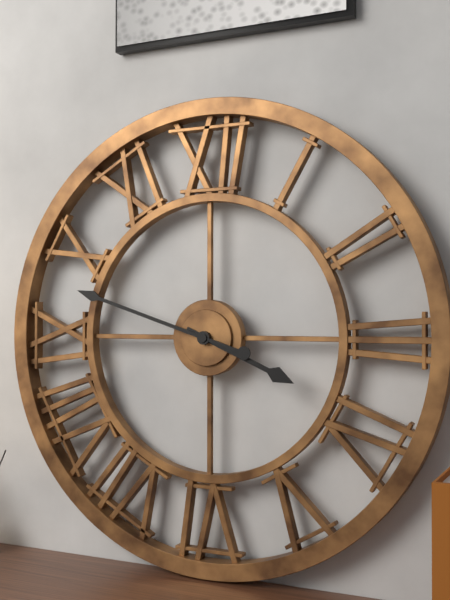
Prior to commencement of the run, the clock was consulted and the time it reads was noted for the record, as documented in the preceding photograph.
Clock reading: 3:48
